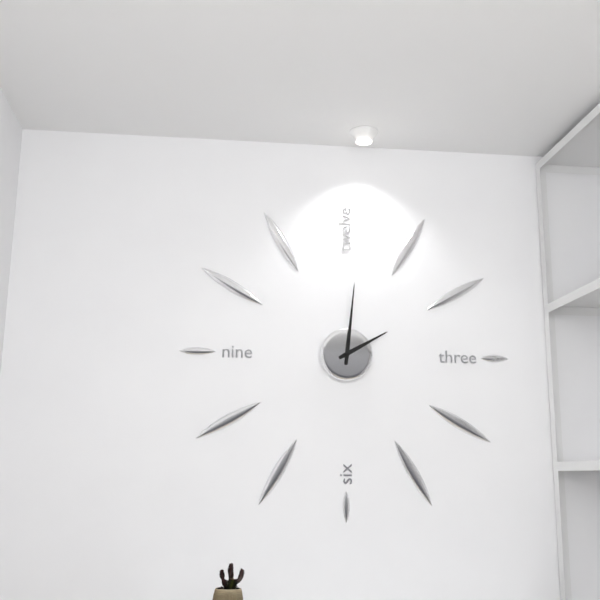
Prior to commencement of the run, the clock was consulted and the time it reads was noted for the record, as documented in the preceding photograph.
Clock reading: 2:01
